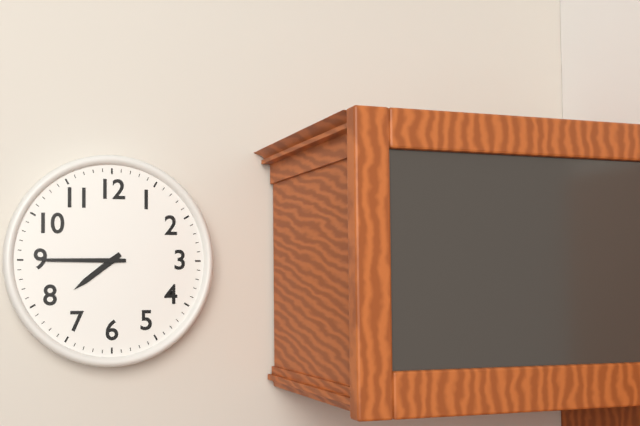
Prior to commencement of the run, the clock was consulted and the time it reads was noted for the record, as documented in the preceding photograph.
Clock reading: 7:45
